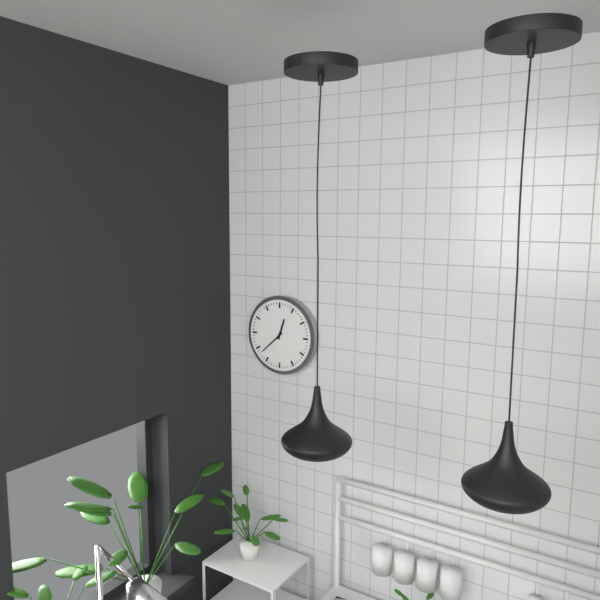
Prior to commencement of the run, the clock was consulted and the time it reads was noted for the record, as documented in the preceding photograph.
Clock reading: 12:38
